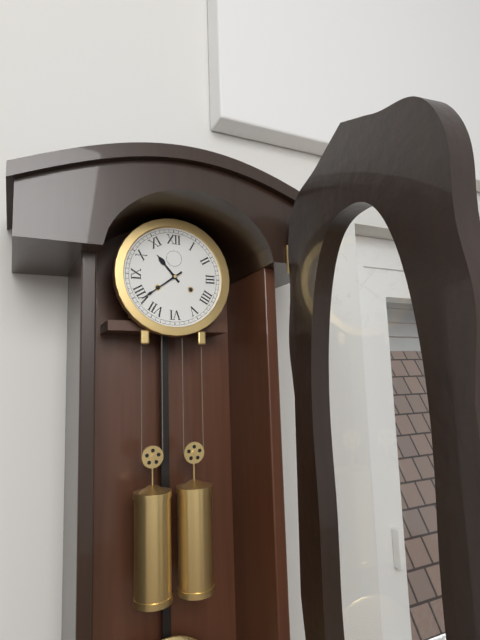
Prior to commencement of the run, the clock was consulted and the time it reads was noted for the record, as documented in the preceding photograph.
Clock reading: 10:39
